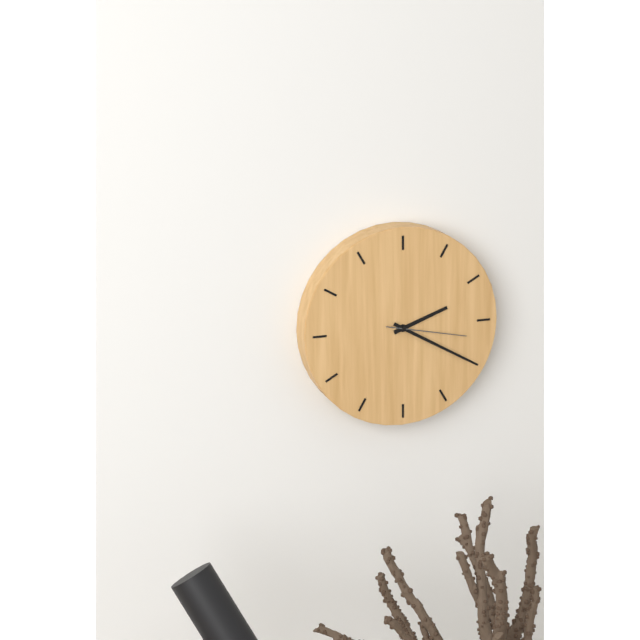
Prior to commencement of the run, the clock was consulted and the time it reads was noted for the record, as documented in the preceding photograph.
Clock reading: 2:20:17
